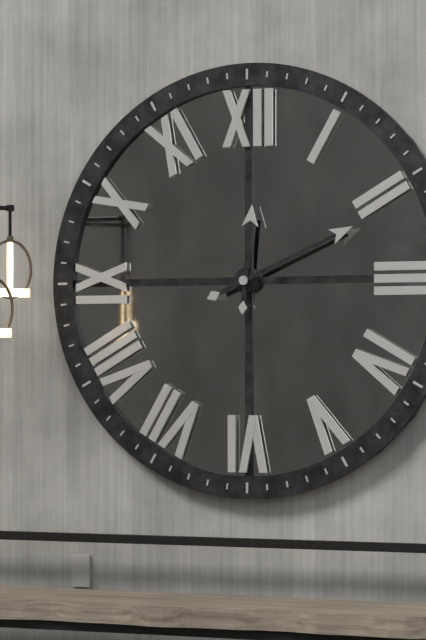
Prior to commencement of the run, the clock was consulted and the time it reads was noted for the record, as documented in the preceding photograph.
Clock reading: 12:11
